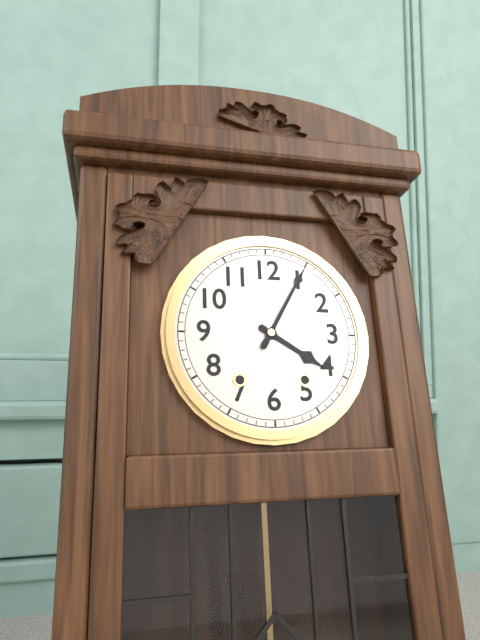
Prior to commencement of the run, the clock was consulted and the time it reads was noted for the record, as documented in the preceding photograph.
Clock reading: 4:05
